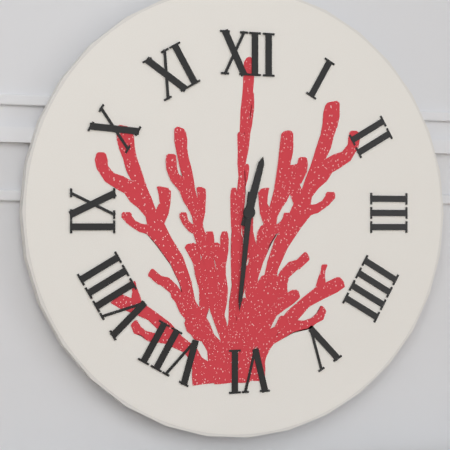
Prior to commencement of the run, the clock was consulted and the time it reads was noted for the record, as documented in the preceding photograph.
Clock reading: 12:31
